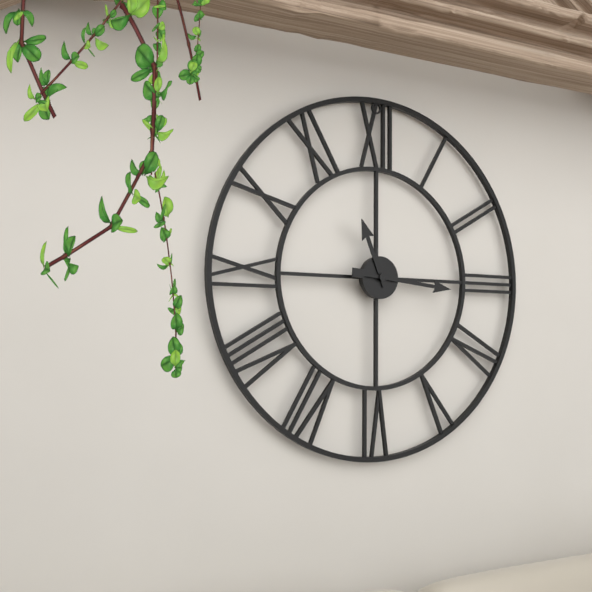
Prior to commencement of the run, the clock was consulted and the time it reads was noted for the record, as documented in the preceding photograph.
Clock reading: 11:16
